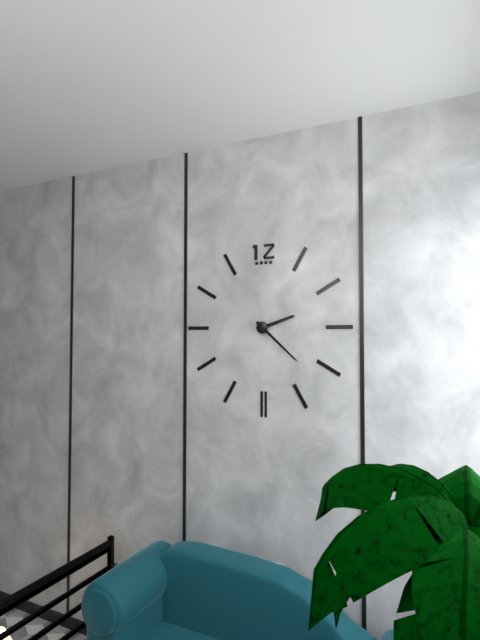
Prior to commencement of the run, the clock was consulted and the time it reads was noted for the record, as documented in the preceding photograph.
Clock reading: 2:22
